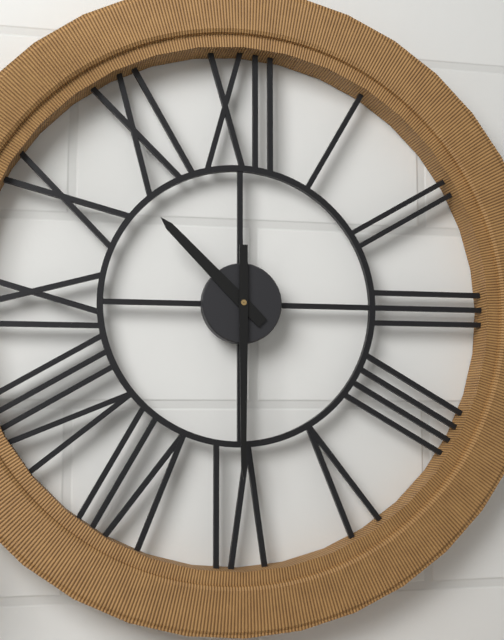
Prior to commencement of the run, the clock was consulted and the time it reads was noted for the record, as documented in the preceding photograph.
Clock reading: 10:30
